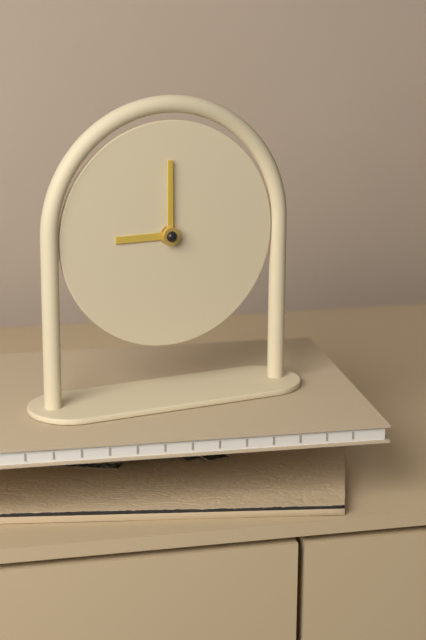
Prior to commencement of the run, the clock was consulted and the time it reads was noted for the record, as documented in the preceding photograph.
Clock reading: 9:00
